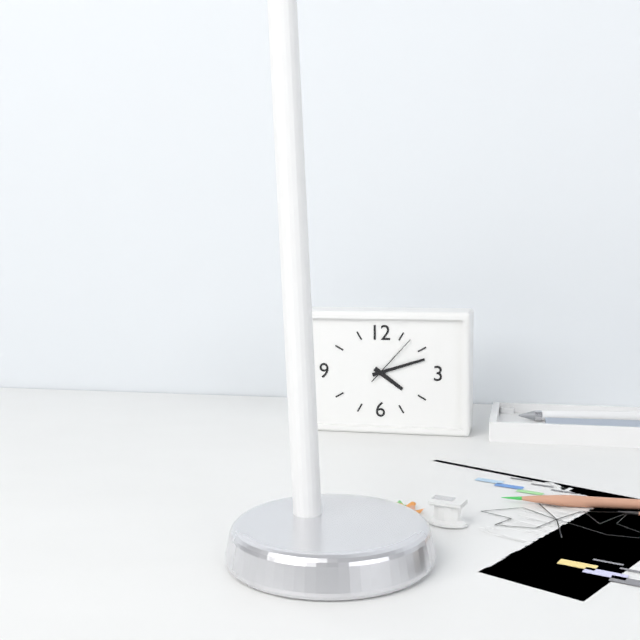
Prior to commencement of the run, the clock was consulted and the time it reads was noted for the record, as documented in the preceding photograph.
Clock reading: 4:12:07
